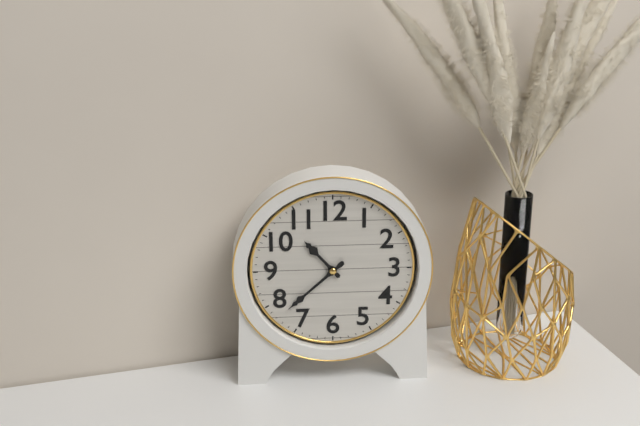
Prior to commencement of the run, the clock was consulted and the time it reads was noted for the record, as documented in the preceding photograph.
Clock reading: 10:38
